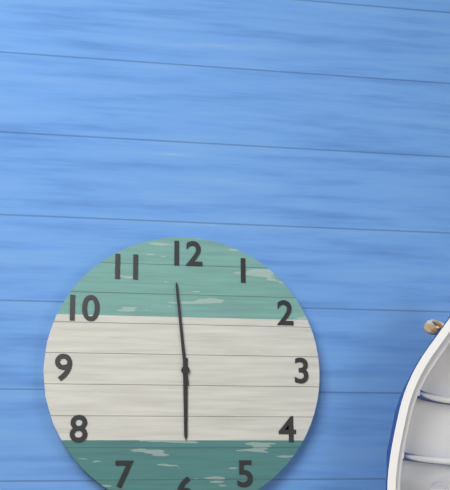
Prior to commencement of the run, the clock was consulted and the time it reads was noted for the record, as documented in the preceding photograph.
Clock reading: 5:59
